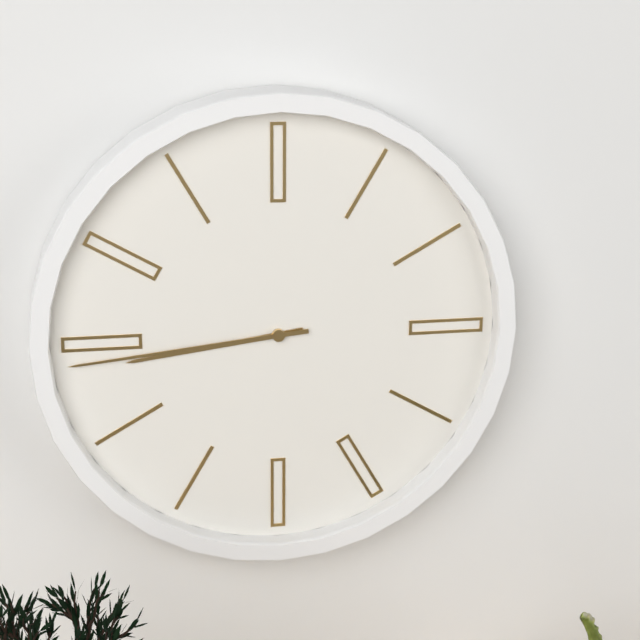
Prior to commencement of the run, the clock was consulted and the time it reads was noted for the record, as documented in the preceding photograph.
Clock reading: 8:44
